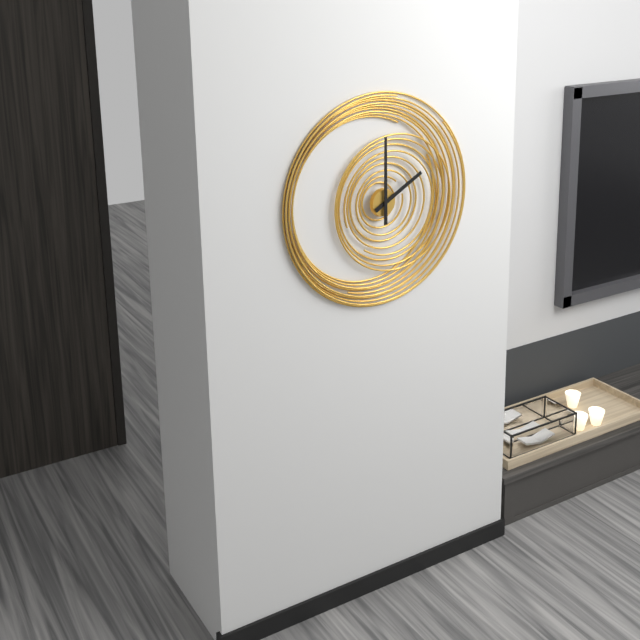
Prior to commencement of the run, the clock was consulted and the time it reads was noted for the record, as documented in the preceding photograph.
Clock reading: 2:00
